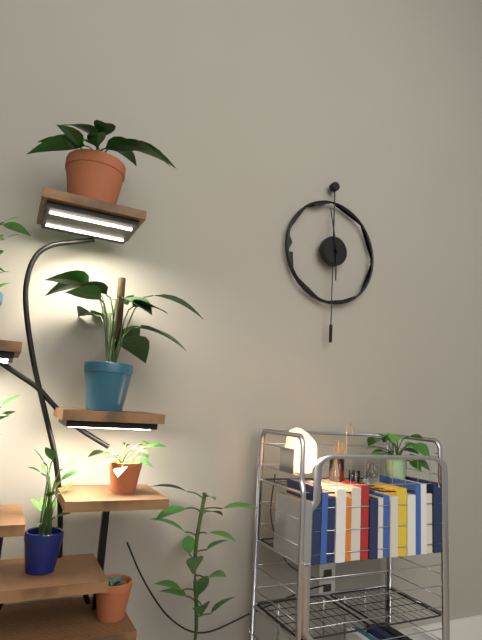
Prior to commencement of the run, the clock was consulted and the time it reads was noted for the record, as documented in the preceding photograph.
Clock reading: 5:58
